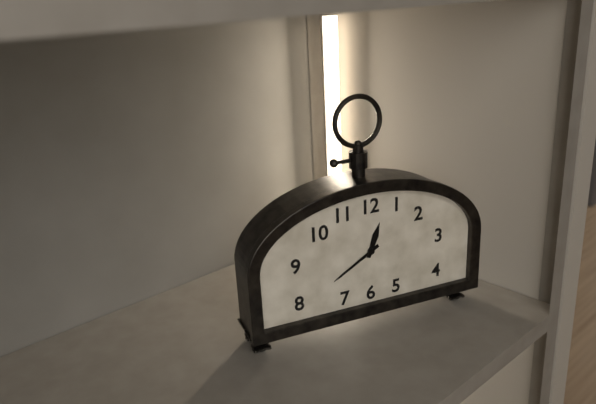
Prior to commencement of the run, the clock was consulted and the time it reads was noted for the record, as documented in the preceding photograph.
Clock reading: 12:40
